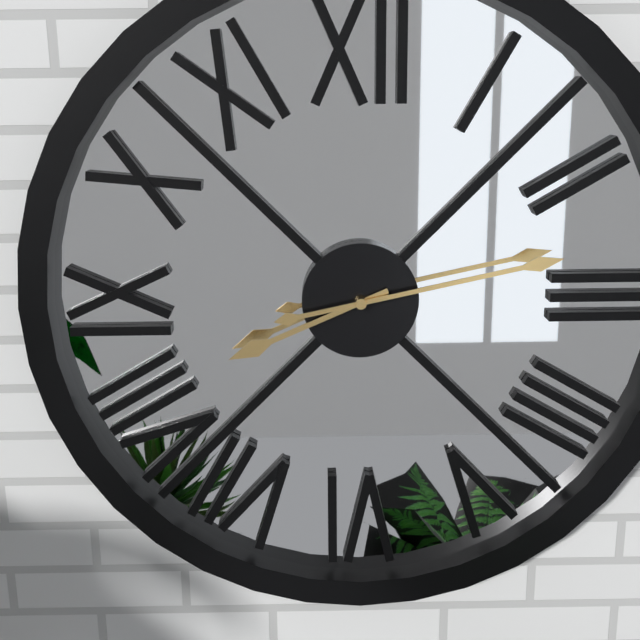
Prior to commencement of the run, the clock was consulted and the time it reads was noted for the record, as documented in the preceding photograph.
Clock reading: 8:13
